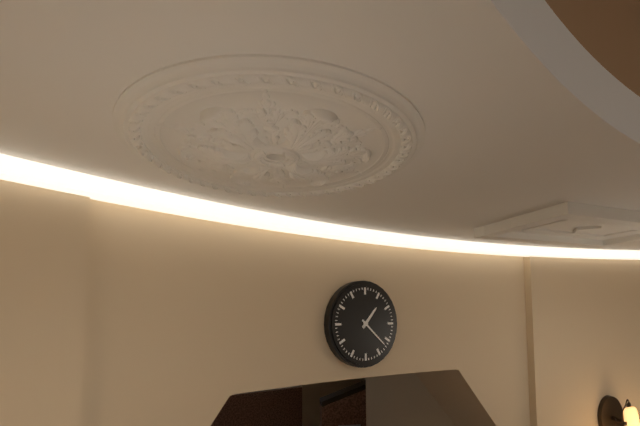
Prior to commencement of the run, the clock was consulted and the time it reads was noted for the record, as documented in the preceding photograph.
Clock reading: 1:22
